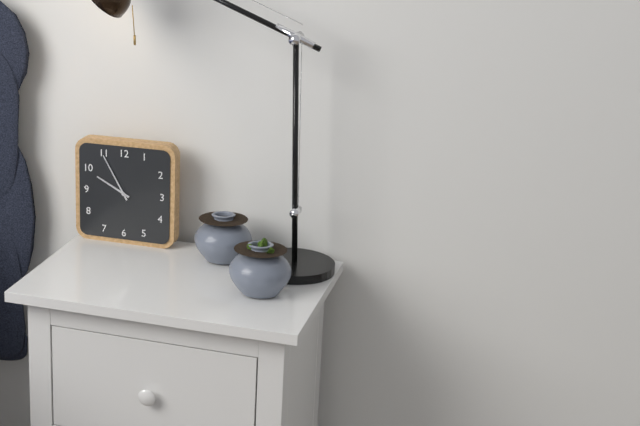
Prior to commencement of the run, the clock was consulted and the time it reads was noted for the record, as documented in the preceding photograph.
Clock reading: 9:55
